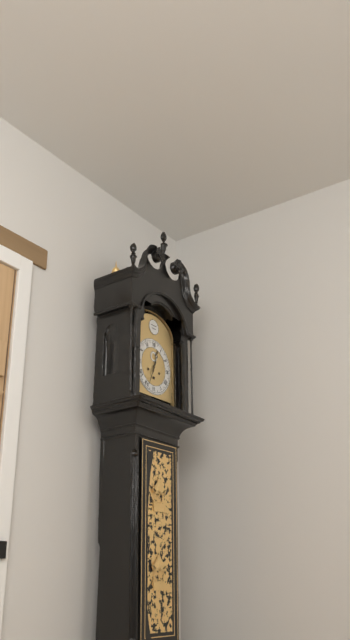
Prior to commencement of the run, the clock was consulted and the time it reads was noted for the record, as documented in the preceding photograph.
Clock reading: 12:34
